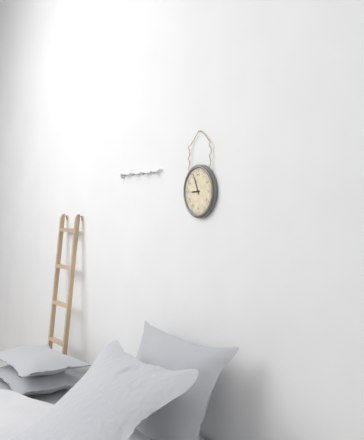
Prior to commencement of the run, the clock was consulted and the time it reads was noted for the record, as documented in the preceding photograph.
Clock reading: 8:56
